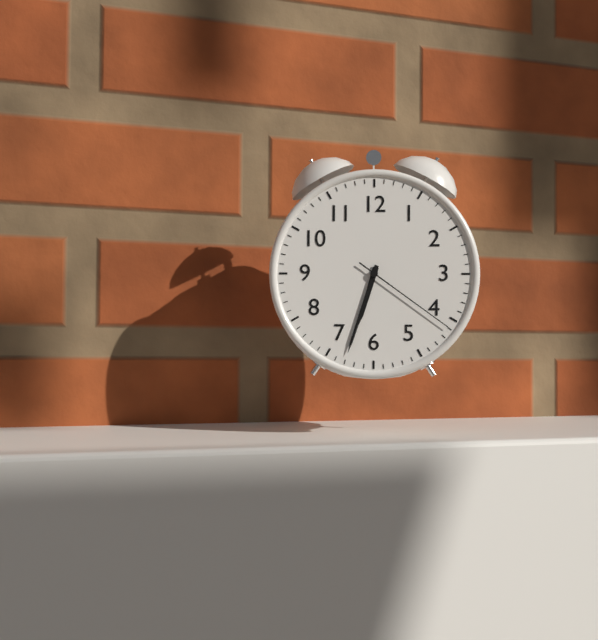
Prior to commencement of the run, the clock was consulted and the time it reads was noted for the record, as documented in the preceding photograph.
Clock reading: 6:33:21
